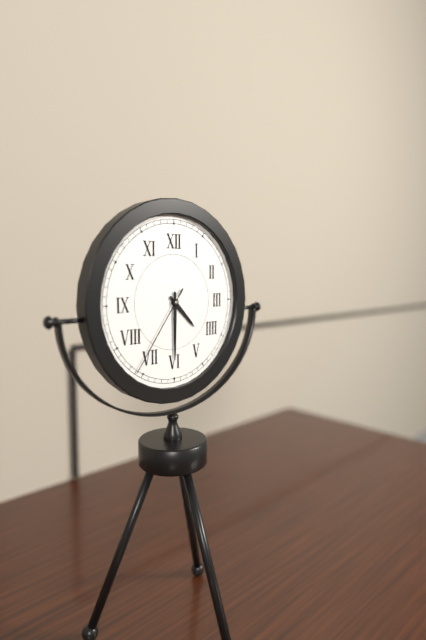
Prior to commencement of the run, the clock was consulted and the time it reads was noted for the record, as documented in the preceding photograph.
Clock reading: 4:30:36
